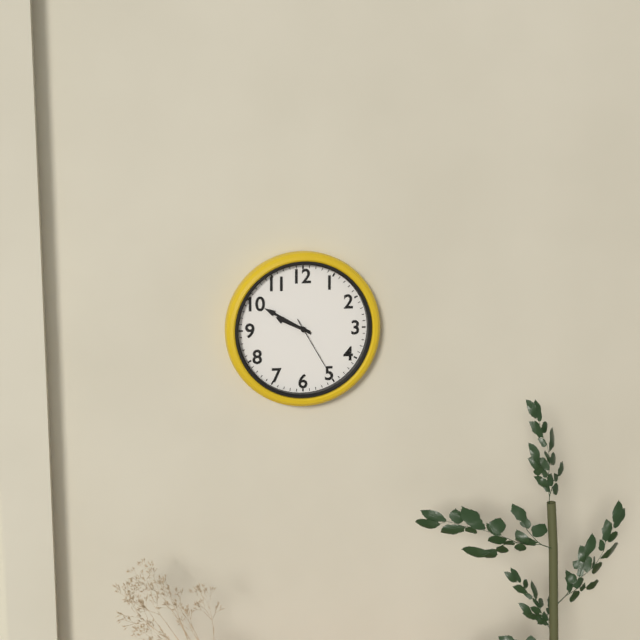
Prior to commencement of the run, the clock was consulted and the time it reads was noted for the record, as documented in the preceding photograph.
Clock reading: 9:50:25
